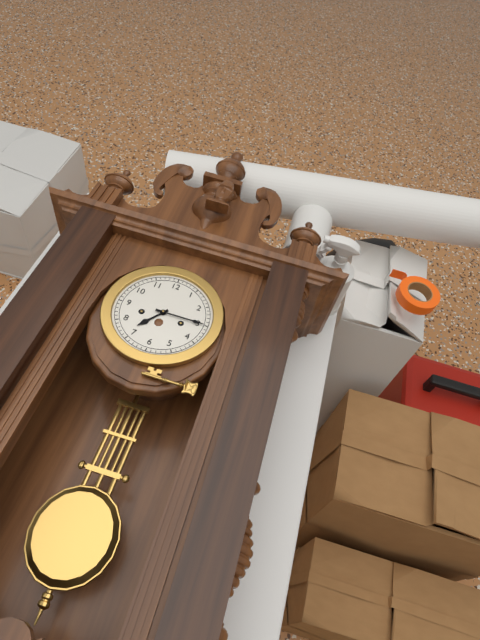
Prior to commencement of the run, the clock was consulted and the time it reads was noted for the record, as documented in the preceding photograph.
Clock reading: 7:15
